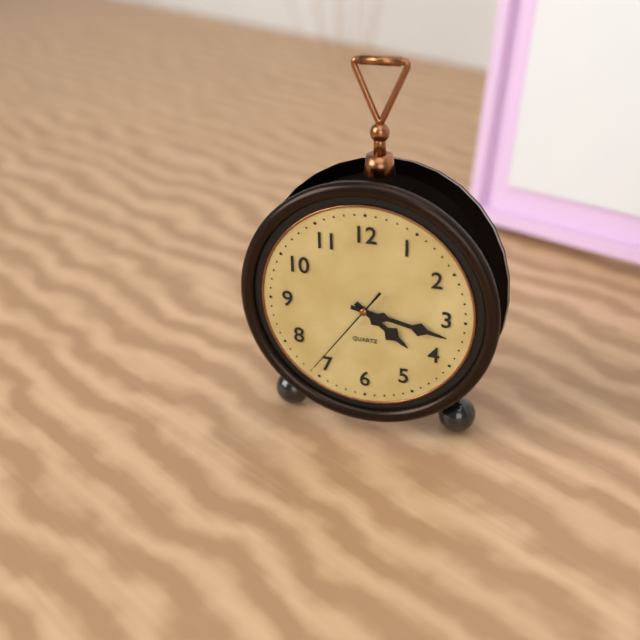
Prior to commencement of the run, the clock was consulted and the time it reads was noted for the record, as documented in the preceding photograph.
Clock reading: 4:17:36
